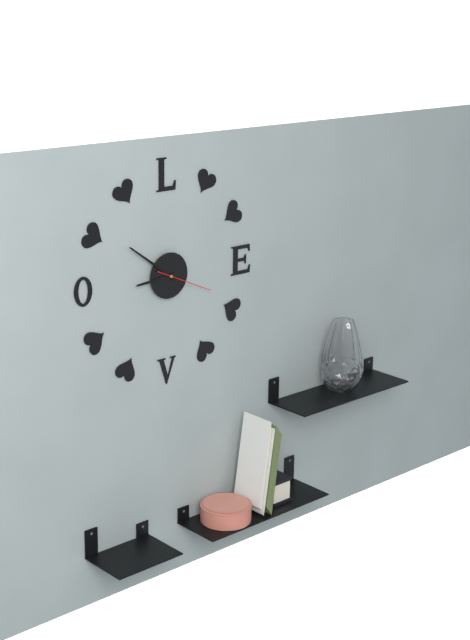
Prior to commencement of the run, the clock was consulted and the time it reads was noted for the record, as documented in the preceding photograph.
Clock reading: 8:51:19
